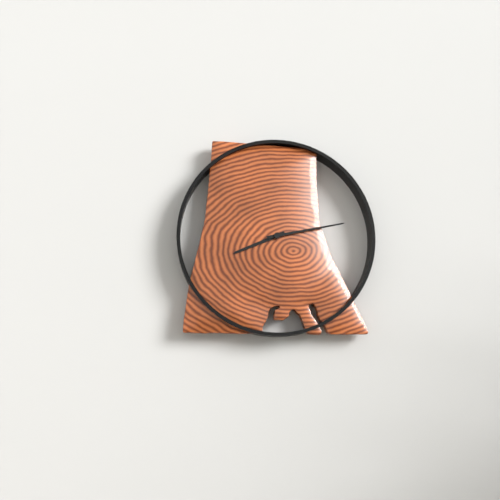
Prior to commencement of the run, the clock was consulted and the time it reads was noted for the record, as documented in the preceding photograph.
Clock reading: 8:13
